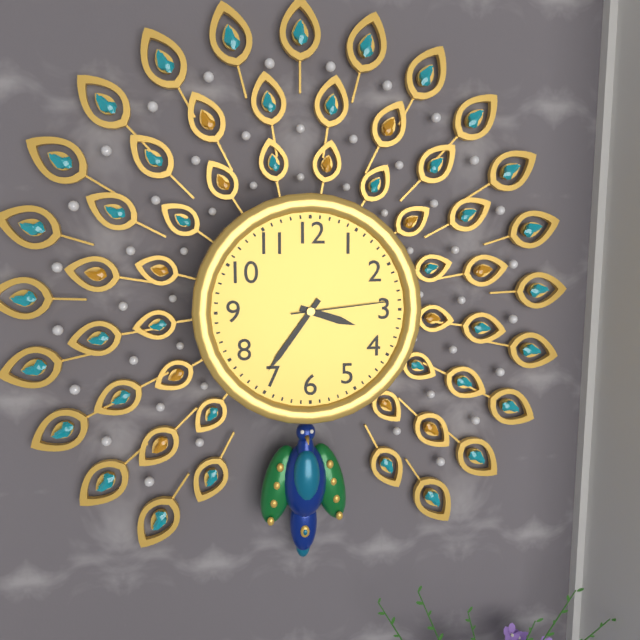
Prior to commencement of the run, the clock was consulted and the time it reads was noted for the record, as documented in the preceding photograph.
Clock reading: 3:36:14
